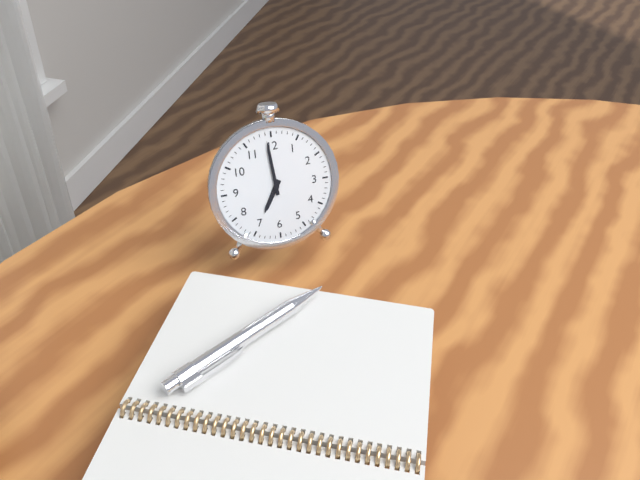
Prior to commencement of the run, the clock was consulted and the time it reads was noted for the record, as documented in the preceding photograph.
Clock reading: 6:59
